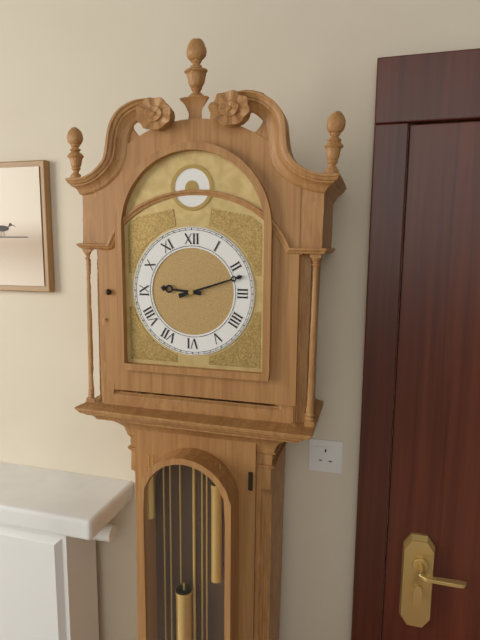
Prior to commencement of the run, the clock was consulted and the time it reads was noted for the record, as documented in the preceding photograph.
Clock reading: 9:12
